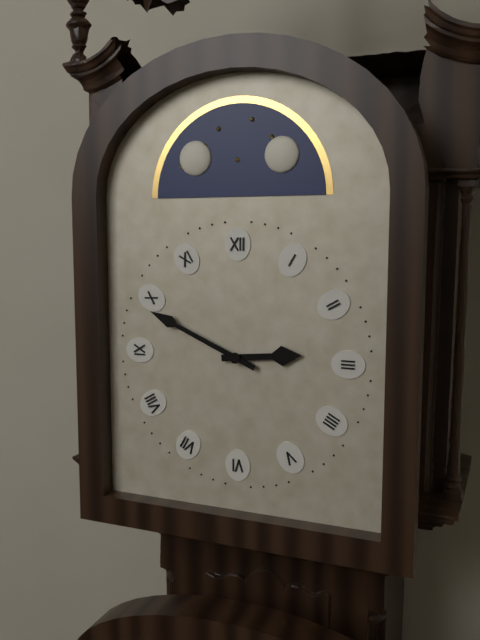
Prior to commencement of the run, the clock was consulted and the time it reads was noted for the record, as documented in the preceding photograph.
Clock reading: 2:49
